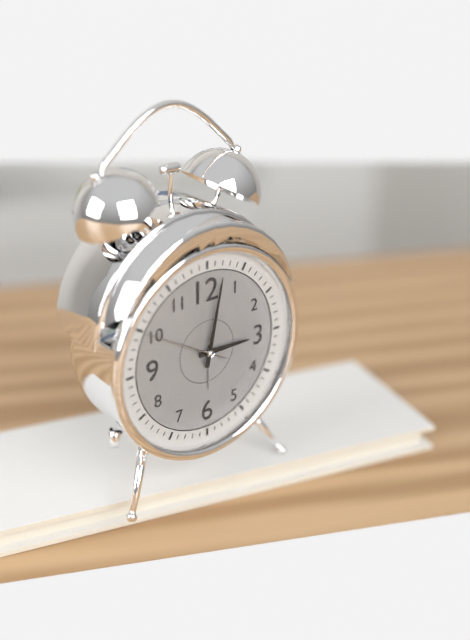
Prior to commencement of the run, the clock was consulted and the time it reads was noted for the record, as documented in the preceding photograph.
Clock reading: 3:02:50
